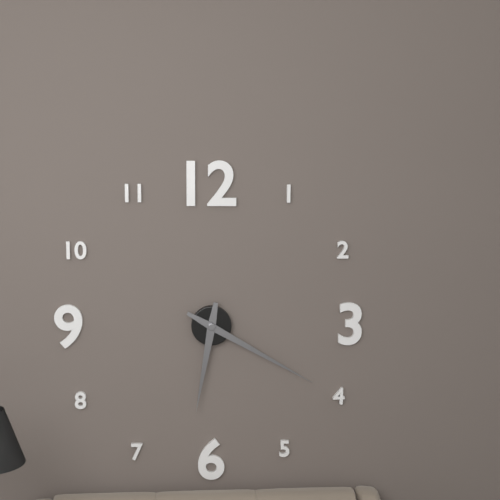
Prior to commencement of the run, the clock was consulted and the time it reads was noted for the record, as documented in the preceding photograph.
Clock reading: 6:20
